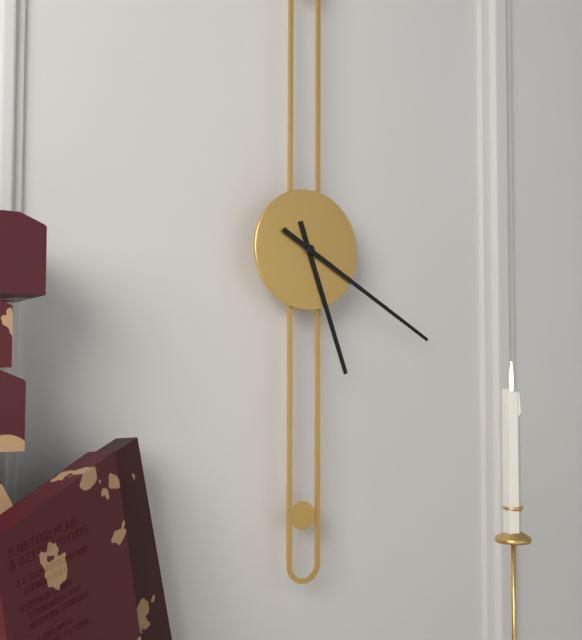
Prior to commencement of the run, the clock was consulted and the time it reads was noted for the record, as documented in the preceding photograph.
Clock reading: 5:20
